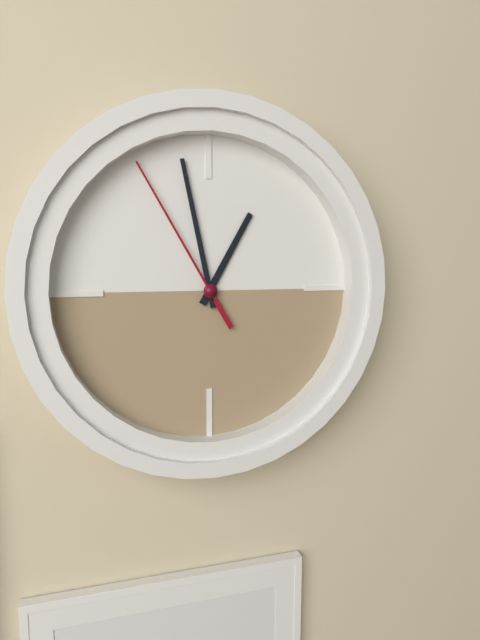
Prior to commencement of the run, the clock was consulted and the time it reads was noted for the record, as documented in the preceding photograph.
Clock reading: 12:58:55
